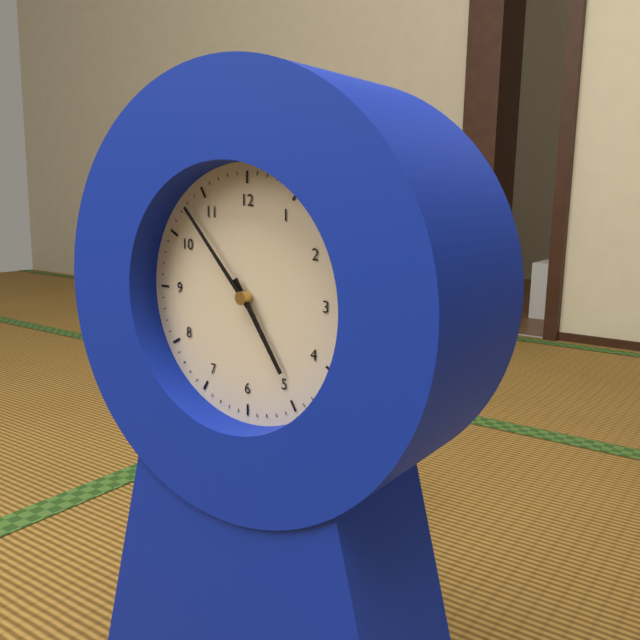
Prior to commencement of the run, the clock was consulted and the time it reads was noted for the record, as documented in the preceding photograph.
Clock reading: 4:53
